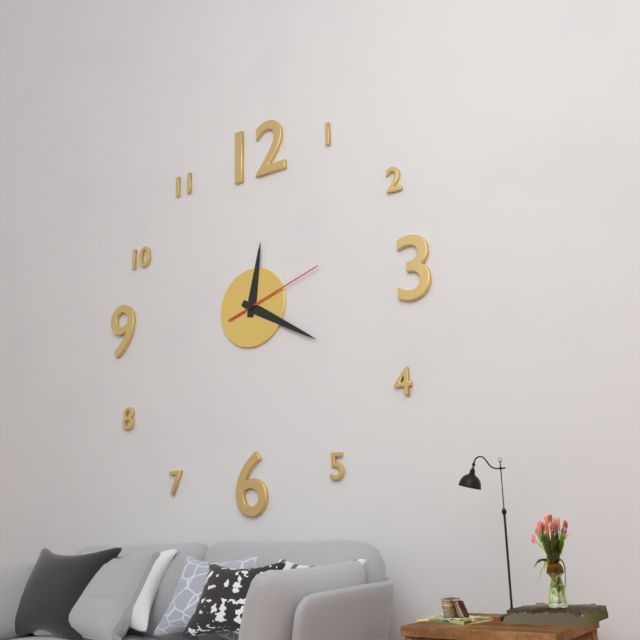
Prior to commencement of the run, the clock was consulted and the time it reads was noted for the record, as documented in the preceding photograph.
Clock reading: 12:20:12
